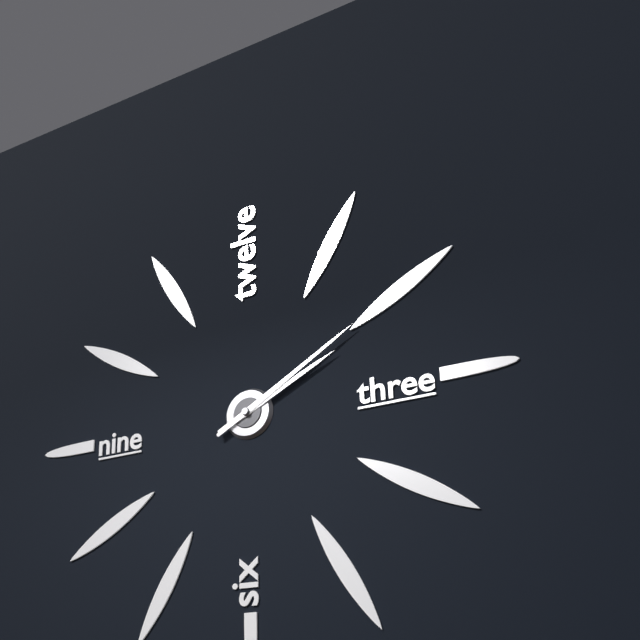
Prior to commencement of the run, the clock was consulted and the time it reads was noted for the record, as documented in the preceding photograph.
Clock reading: 2:10
